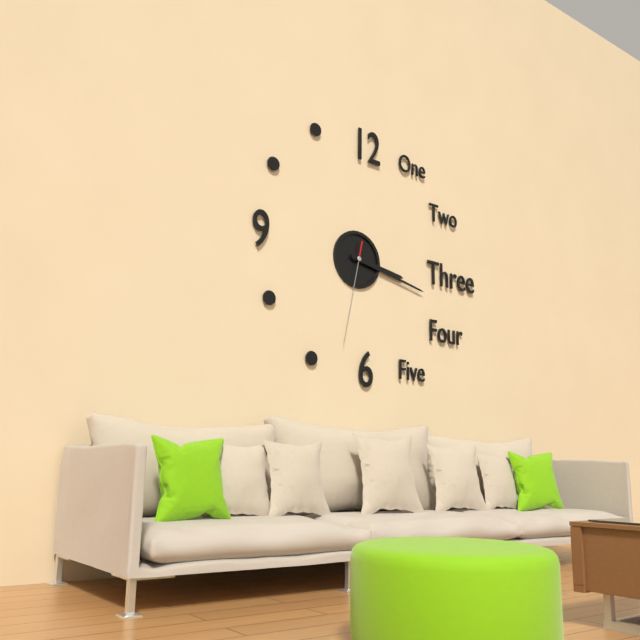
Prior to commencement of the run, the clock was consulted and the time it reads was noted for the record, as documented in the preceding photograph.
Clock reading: 3:17:32
